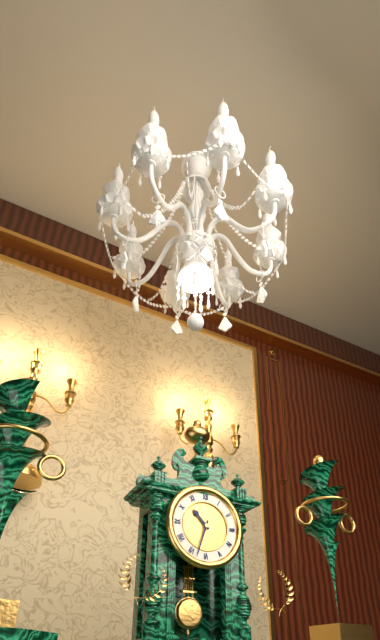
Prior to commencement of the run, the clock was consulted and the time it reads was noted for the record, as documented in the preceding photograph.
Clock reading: 10:33
